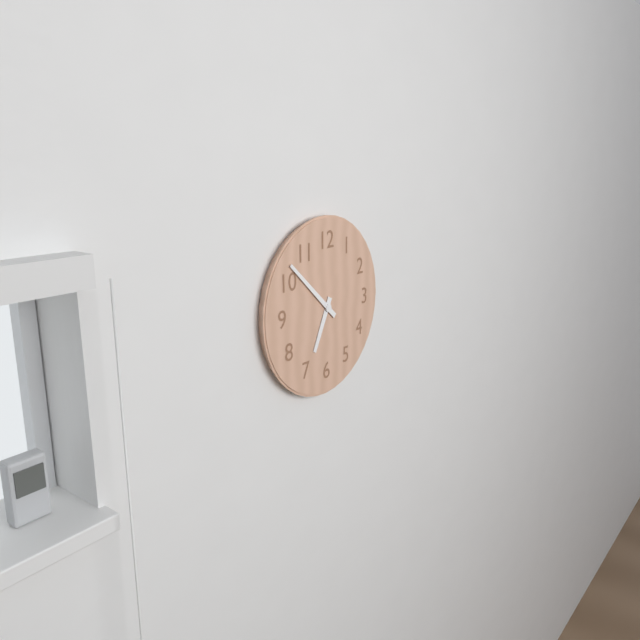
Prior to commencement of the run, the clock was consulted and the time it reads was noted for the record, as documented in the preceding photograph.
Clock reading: 6:52
